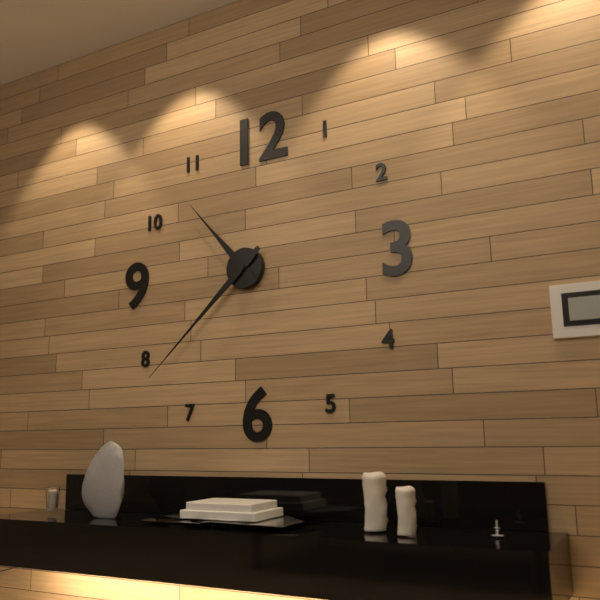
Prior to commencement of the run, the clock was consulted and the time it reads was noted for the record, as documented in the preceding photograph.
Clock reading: 10:38
